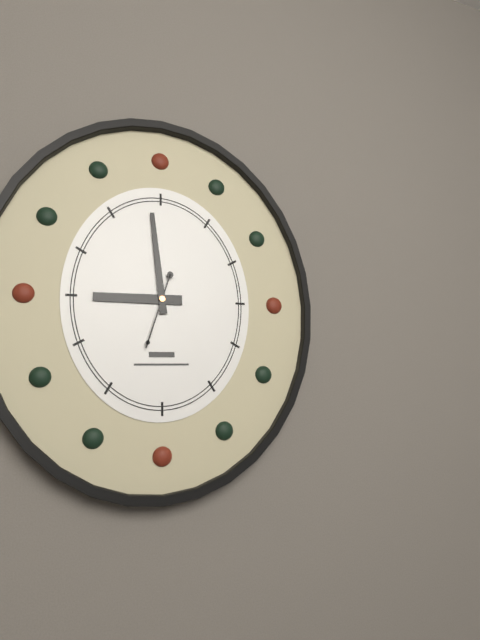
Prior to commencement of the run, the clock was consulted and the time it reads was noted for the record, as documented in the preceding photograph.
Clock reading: 8:59:33
